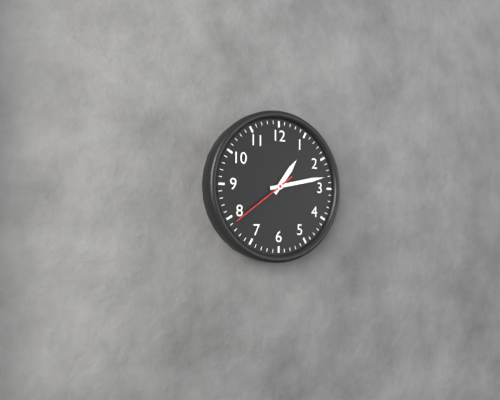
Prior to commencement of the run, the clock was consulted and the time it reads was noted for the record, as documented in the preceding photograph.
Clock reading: 1:13:39
